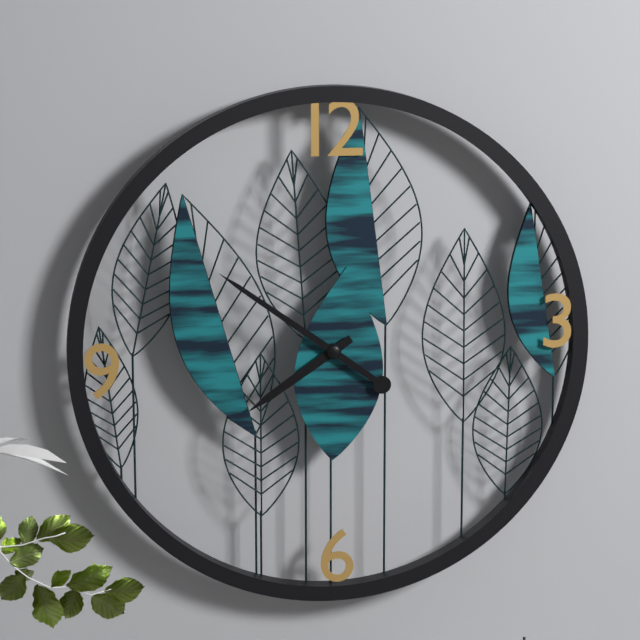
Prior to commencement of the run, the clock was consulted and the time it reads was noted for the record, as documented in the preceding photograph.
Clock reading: 7:51
